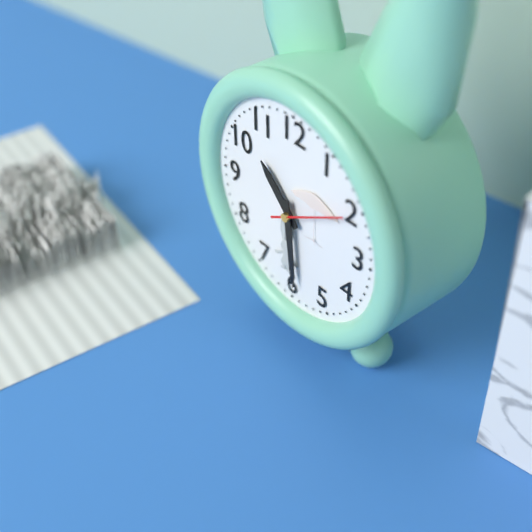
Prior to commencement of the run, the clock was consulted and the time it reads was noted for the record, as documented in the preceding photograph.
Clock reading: 10:29:10
